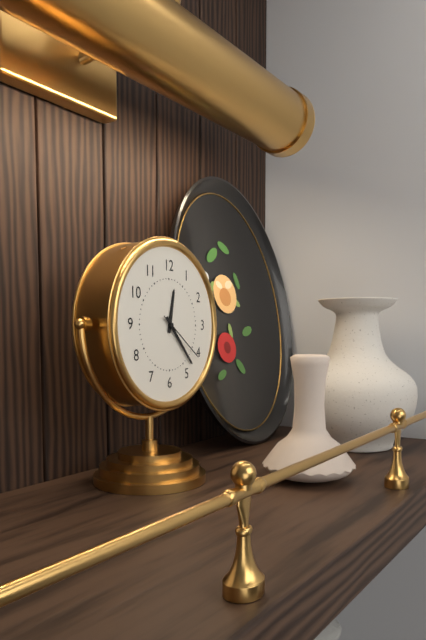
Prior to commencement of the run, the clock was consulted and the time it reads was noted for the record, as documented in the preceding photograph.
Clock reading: 12:23:21
